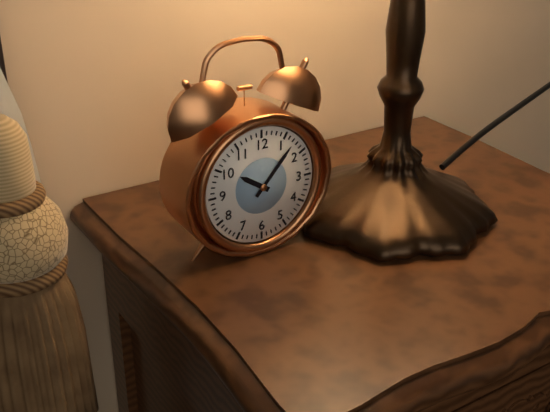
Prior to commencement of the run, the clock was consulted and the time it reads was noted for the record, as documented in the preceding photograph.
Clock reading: 10:07
